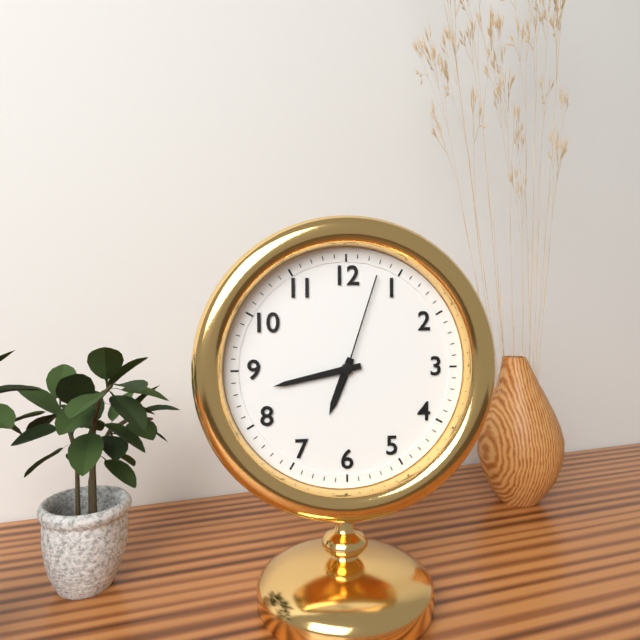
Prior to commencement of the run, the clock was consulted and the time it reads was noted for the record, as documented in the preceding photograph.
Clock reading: 6:43:03
